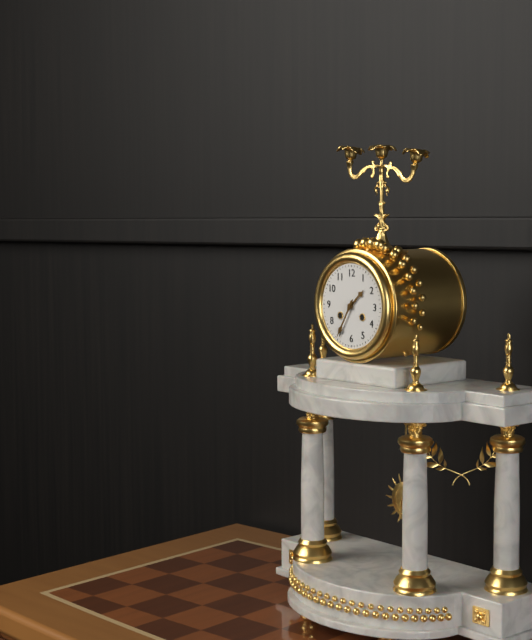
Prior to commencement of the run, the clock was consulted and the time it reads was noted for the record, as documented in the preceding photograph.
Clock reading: 1:35
